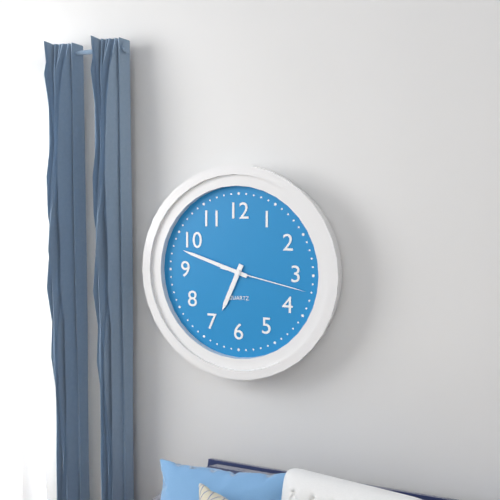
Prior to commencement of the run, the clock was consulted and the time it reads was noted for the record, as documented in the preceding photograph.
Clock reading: 6:48:17
